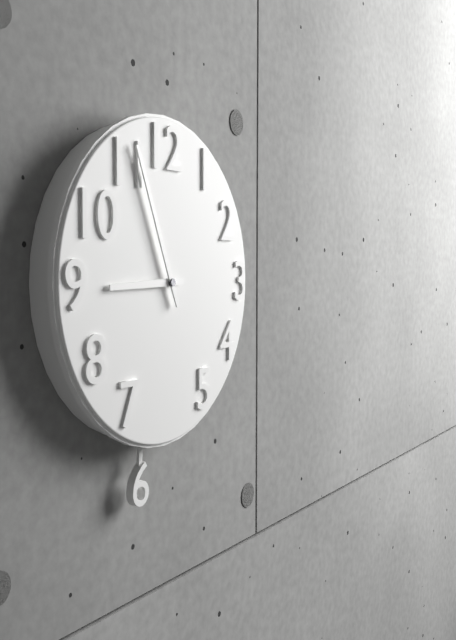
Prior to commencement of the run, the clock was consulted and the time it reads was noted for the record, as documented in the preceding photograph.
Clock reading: 8:56
